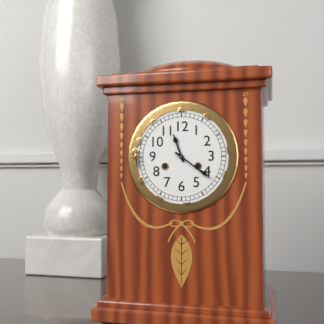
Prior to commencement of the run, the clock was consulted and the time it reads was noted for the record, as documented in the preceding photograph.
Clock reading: 11:21
